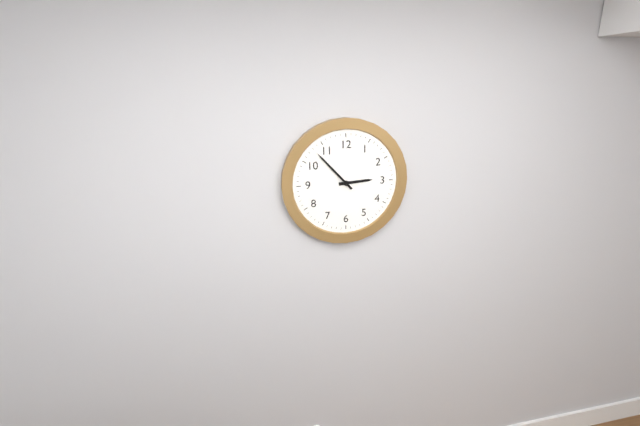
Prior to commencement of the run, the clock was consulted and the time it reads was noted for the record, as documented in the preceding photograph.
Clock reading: 2:53
